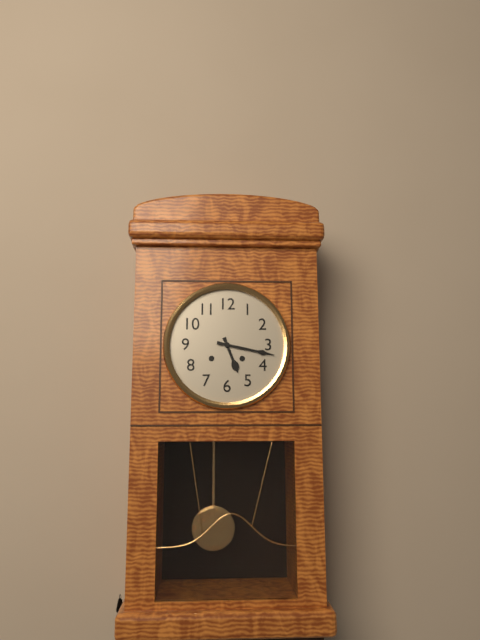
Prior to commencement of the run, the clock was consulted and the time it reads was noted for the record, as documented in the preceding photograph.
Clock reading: 5:17
